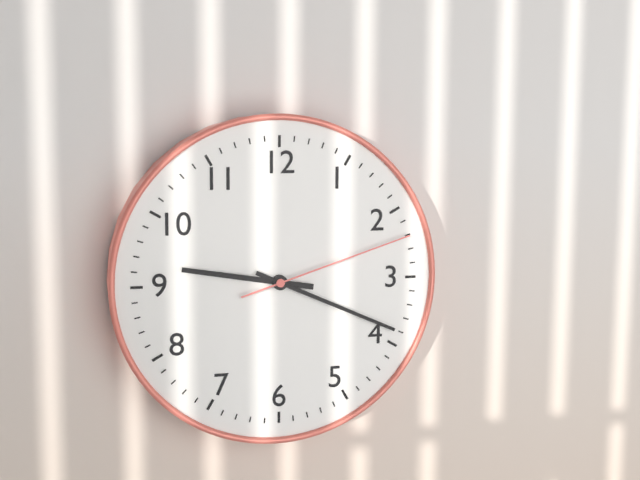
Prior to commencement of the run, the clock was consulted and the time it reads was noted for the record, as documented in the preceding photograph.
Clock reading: 9:19:12
